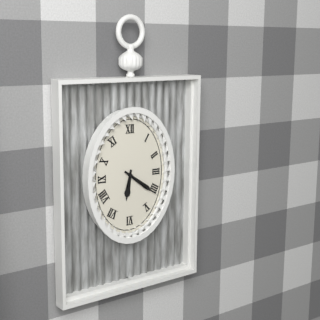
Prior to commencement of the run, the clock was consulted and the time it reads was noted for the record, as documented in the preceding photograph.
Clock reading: 6:21
